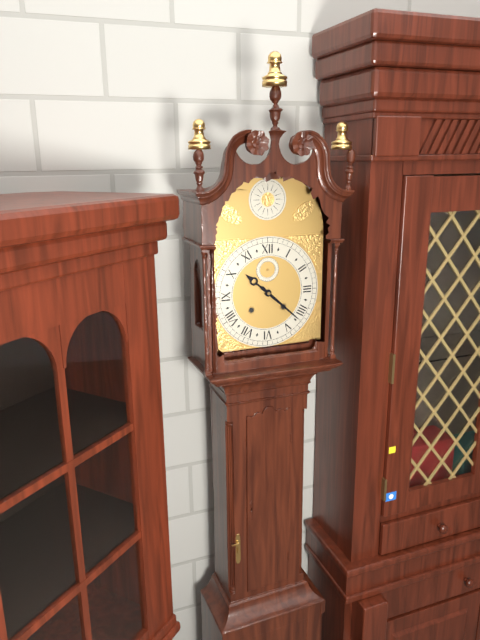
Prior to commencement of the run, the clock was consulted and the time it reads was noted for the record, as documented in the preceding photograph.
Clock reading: 10:22
